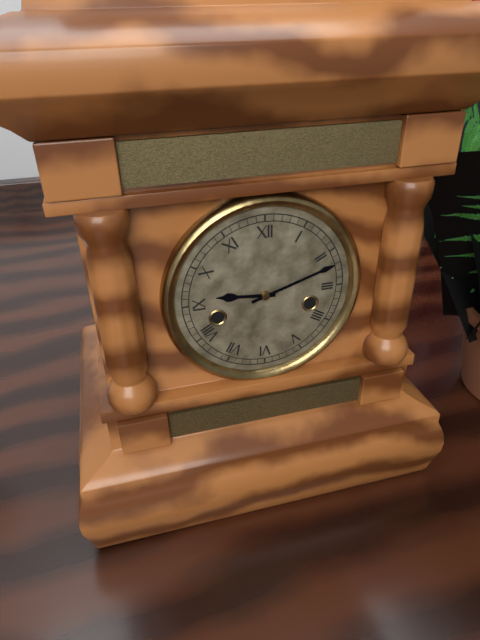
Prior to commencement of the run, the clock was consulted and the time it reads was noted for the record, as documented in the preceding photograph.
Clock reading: 9:12
